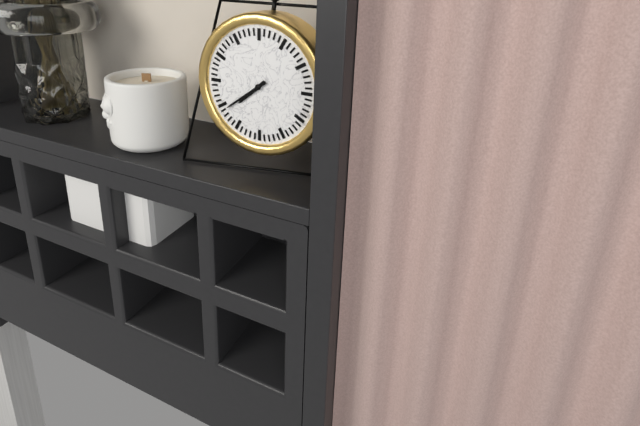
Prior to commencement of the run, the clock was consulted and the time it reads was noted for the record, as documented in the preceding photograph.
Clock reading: 7:39
